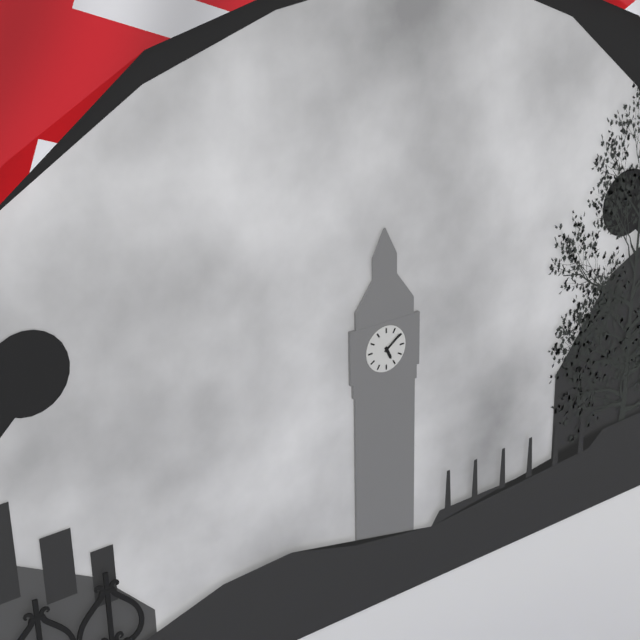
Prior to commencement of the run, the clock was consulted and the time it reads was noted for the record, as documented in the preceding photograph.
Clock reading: 5:09
